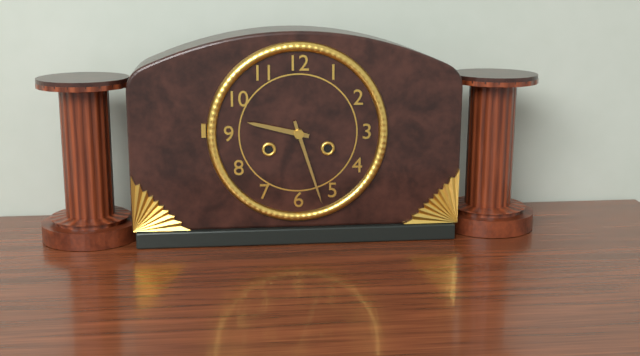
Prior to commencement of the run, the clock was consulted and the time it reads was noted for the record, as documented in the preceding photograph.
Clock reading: 9:27
